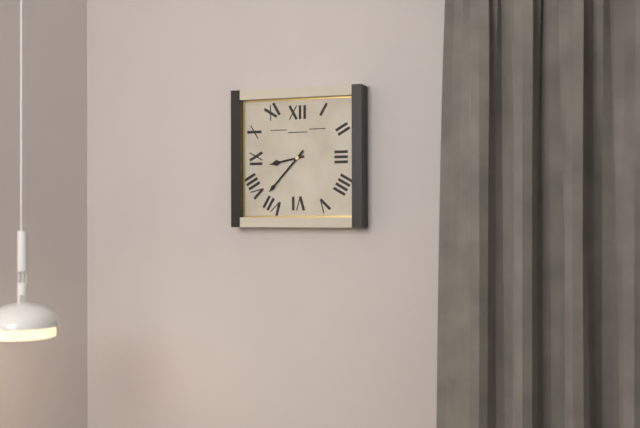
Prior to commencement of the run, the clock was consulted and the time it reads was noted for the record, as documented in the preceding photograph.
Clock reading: 8:37
